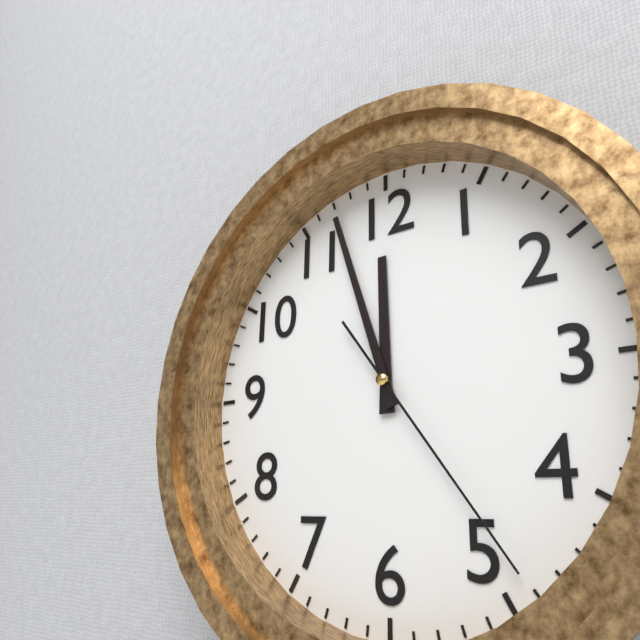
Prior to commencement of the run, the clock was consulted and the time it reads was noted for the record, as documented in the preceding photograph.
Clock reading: 11:57:24
